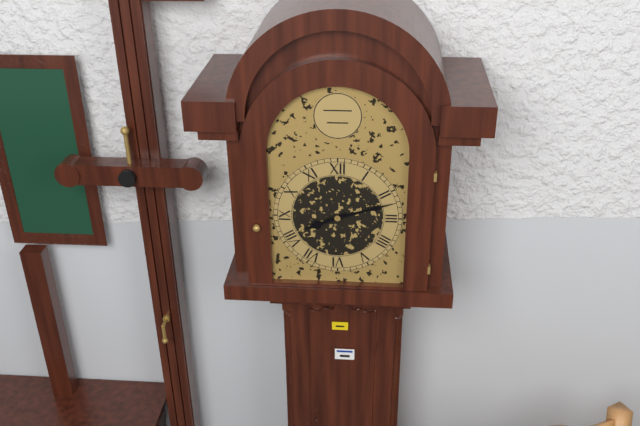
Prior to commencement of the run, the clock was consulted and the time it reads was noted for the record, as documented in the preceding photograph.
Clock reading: 8:12
